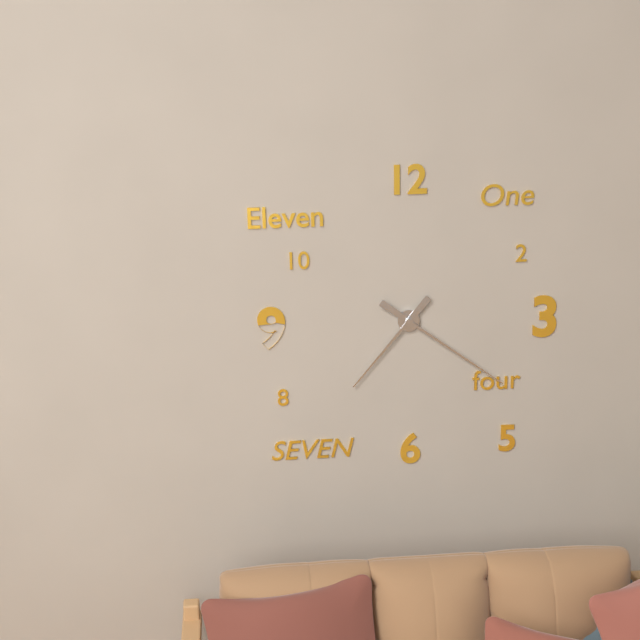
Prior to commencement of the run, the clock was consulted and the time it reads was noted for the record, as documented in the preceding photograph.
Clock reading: 7:21
